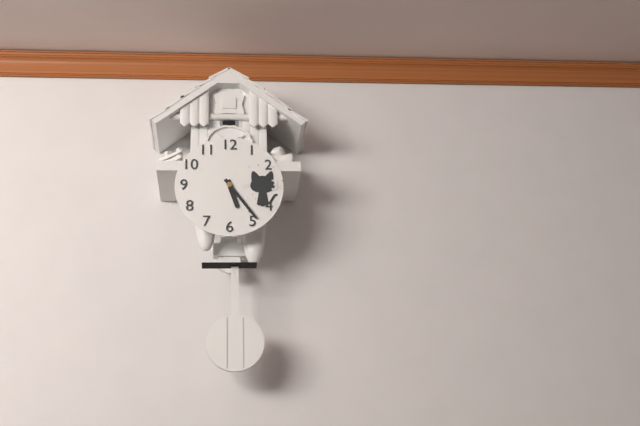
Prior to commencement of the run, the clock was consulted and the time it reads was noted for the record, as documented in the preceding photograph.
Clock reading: 5:24
